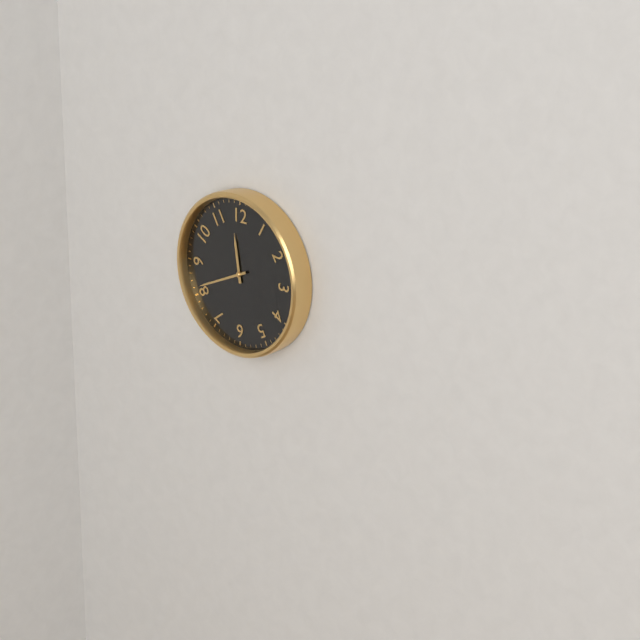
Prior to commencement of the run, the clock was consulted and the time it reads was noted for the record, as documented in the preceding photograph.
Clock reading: 11:41
